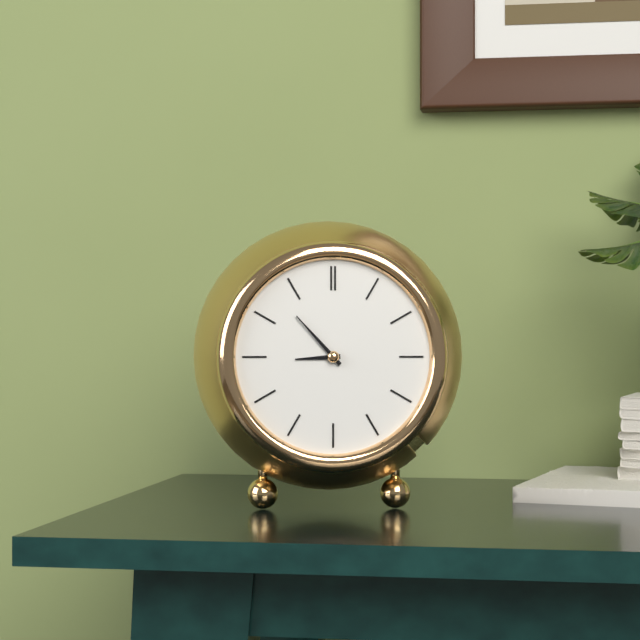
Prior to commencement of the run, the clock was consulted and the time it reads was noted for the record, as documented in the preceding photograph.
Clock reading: 8:53
